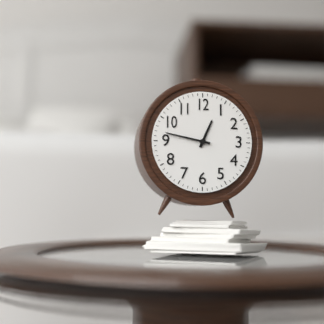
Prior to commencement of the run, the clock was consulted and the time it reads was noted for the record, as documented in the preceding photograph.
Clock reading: 12:47
